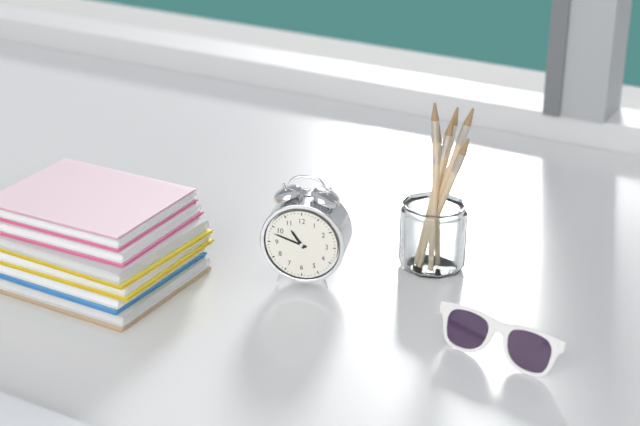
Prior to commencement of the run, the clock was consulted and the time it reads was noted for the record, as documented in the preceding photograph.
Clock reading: 10:48
